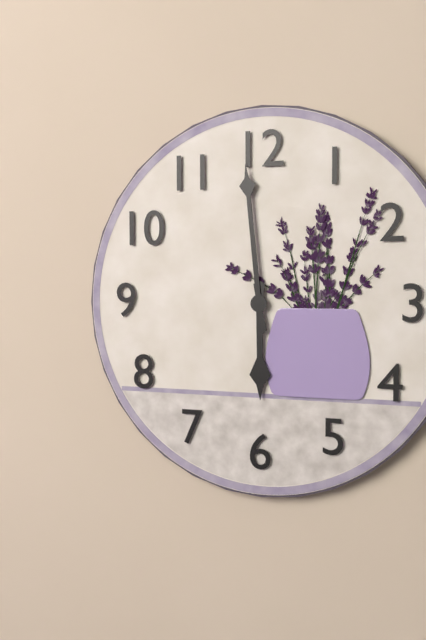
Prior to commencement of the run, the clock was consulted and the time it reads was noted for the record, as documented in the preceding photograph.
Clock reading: 5:59
